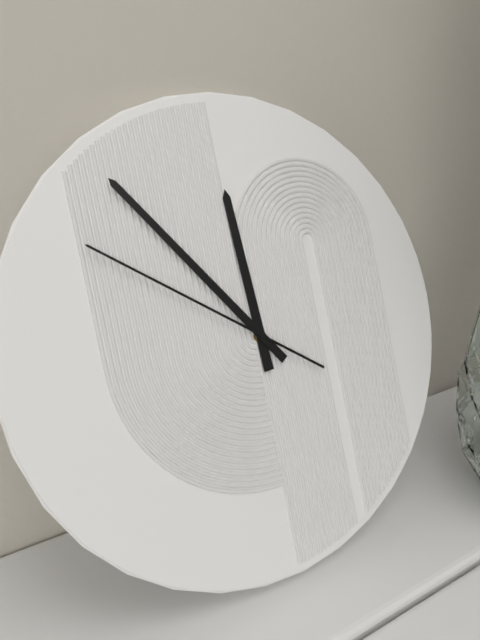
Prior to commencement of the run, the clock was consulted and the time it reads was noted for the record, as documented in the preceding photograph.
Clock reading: 11:54:51
